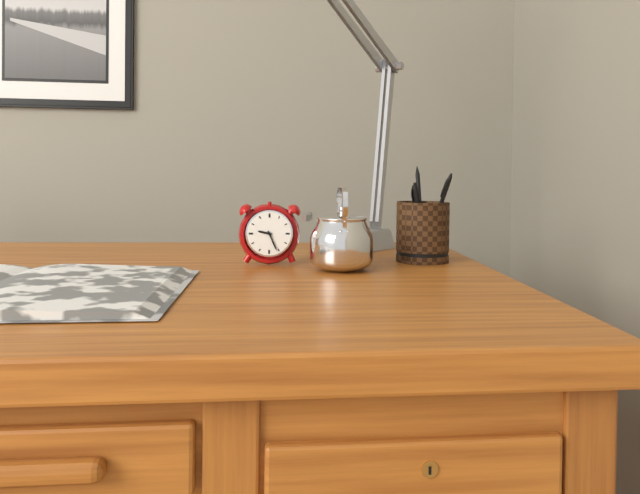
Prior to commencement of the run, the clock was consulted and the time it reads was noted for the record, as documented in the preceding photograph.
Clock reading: 9:26
